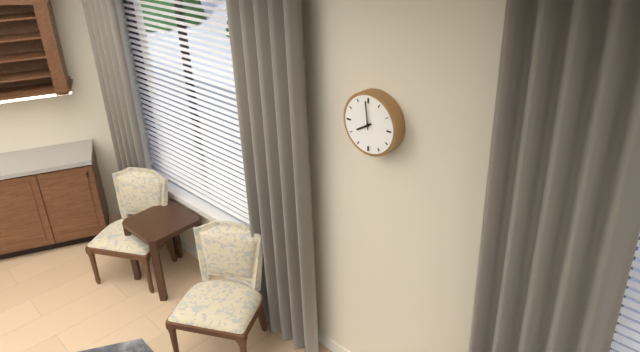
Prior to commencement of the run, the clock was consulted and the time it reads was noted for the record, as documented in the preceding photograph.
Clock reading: 7:59
